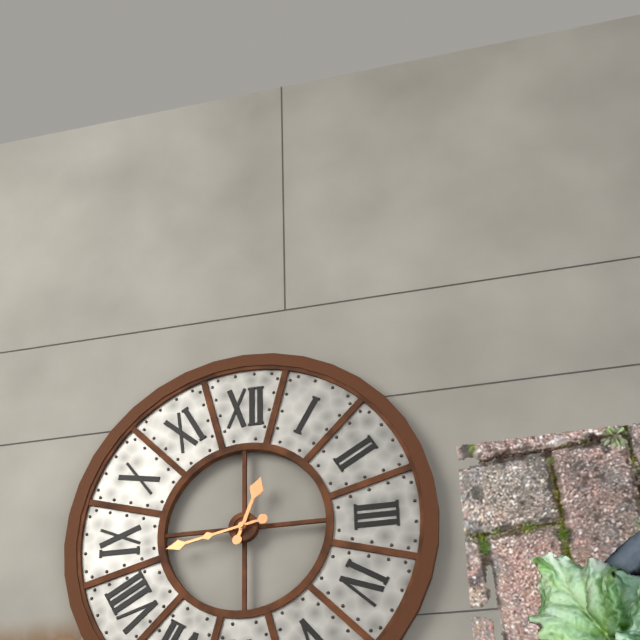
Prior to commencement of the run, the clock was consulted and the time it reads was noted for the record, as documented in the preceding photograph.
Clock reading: 12:43
